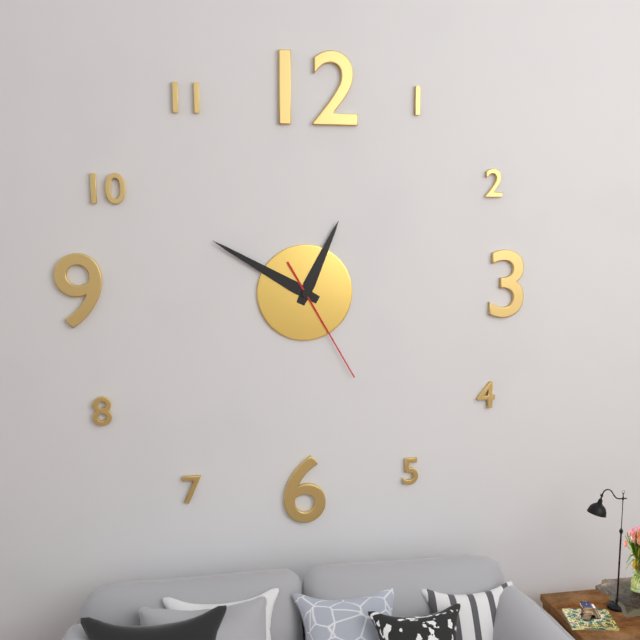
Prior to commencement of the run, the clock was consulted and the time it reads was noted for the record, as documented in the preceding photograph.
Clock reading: 12:50:25
